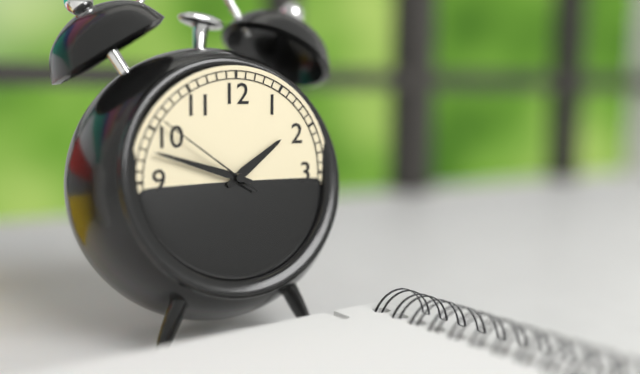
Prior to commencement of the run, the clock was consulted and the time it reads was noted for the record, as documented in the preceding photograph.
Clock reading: 1:48:51
